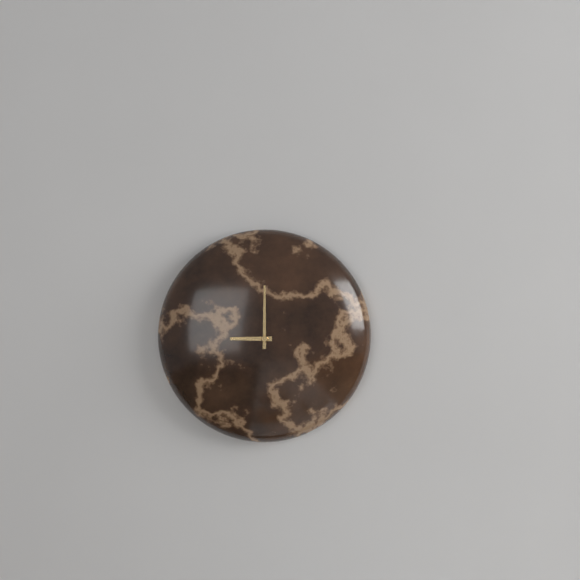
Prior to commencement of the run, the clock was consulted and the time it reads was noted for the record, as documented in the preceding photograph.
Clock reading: 9:00
